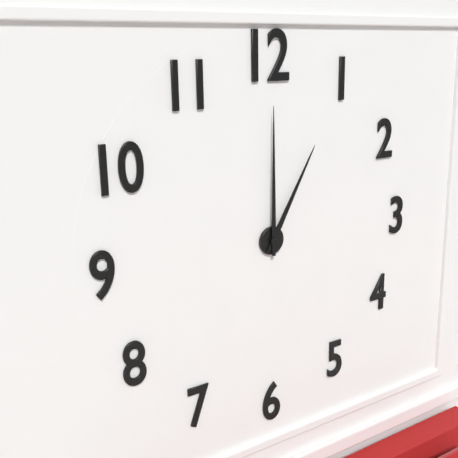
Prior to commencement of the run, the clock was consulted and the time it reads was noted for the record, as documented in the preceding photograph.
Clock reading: 1:00
